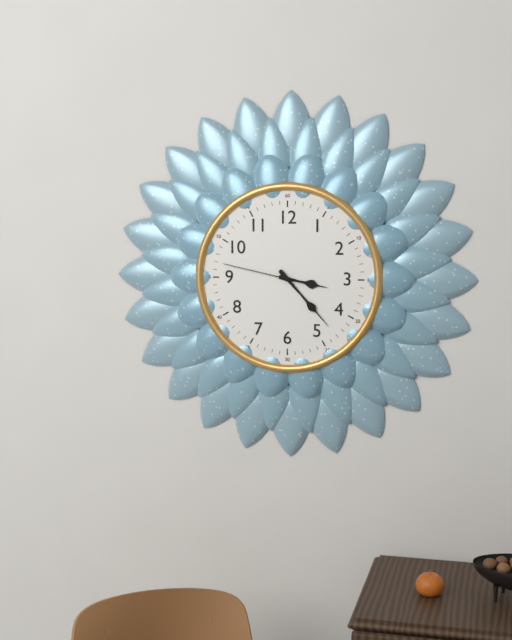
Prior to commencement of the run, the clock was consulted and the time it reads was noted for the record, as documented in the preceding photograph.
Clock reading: 3:23:47
